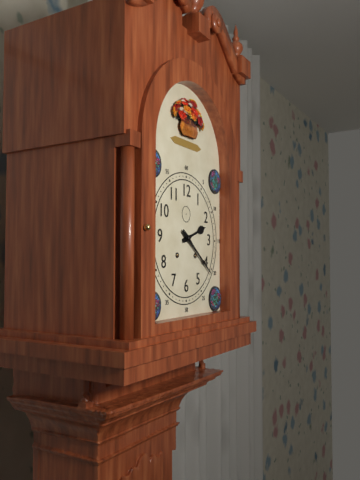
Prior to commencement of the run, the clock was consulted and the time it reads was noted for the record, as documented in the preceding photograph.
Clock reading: 2:21
